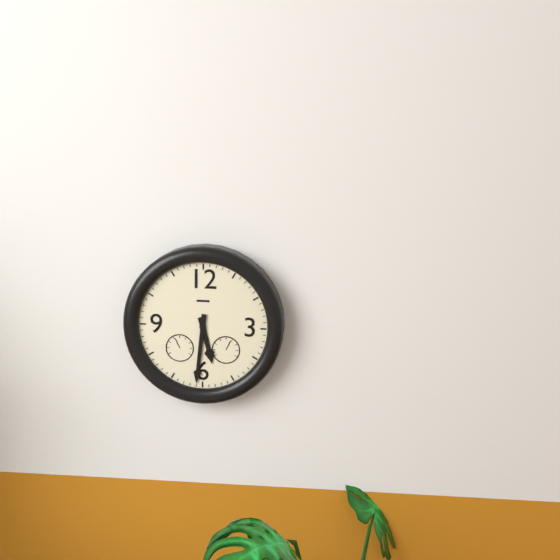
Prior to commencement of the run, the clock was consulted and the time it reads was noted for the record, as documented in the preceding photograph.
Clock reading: 5:31
